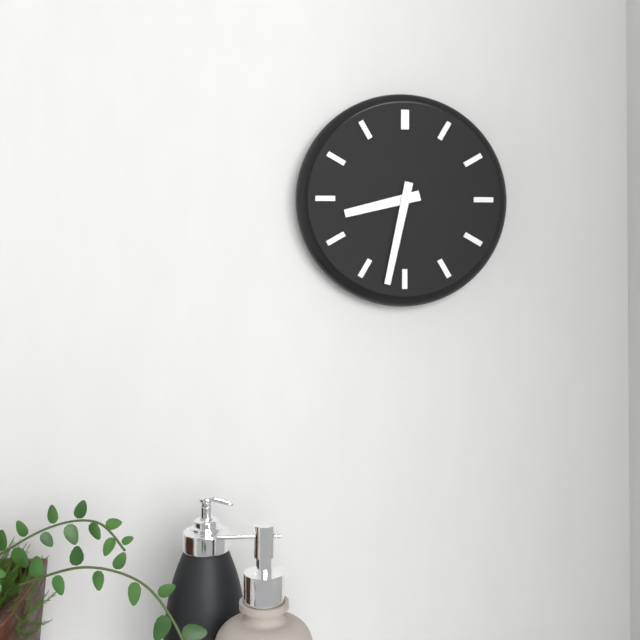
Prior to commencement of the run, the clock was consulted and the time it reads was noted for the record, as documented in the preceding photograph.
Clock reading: 8:32
